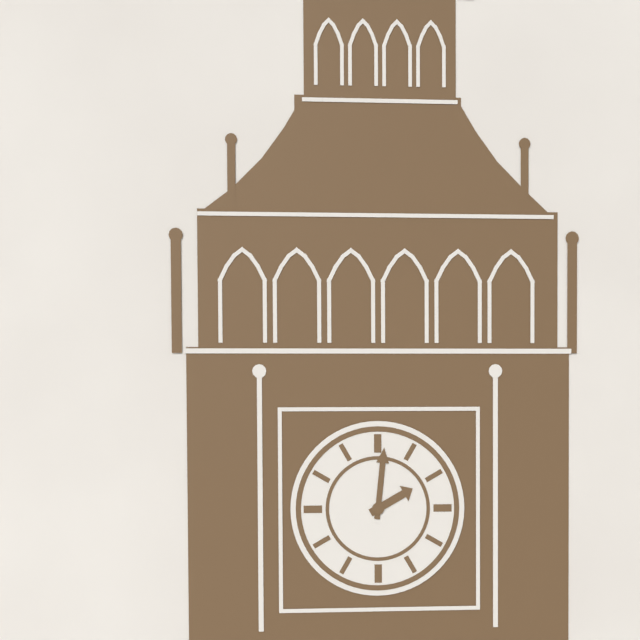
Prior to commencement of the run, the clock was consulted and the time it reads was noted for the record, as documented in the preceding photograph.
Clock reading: 2:01
